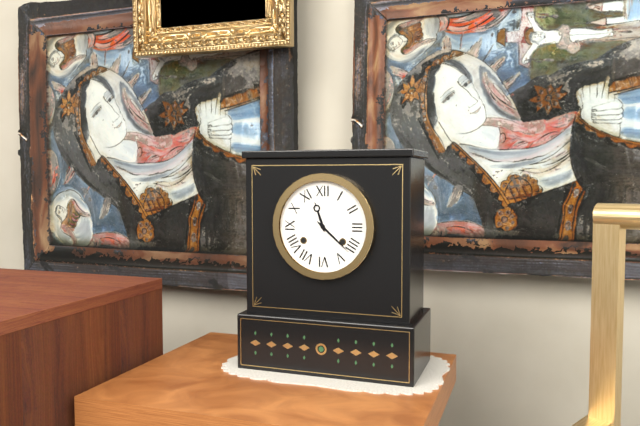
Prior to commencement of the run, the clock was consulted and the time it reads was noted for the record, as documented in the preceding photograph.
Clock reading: 11:22
